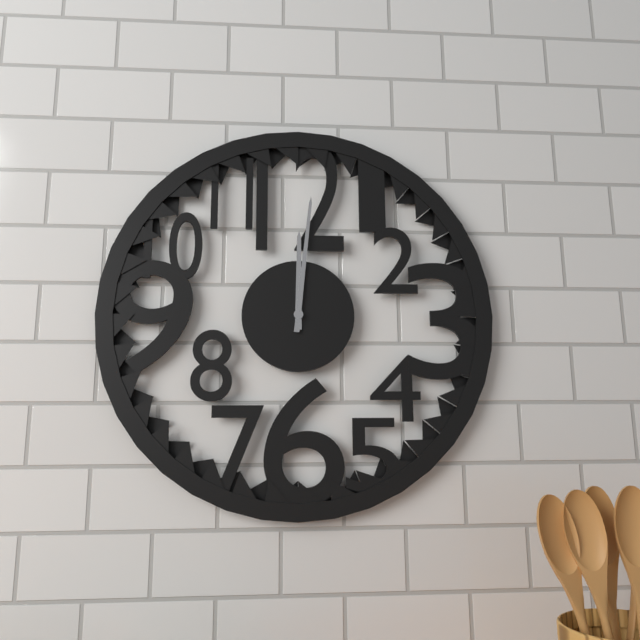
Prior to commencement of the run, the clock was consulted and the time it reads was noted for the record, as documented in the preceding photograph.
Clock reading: 12:01
